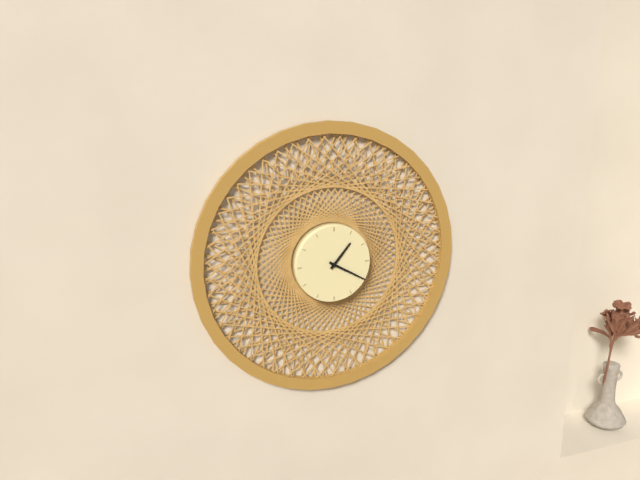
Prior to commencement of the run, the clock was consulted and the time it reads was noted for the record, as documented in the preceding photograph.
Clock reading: 1:20
